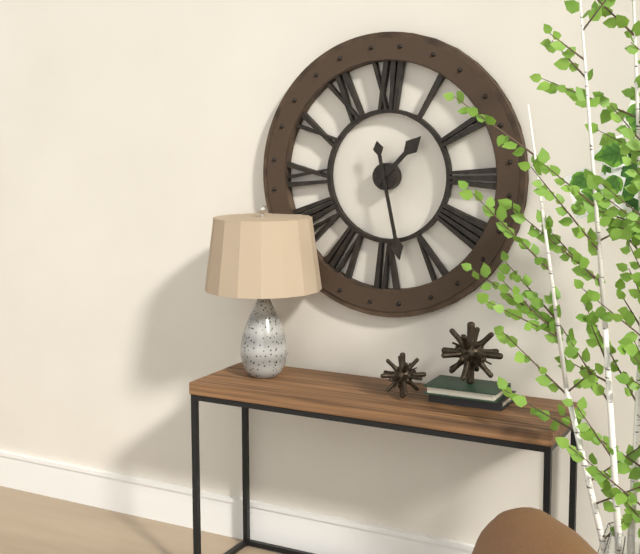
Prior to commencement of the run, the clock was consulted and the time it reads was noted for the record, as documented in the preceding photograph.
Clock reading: 1:28
